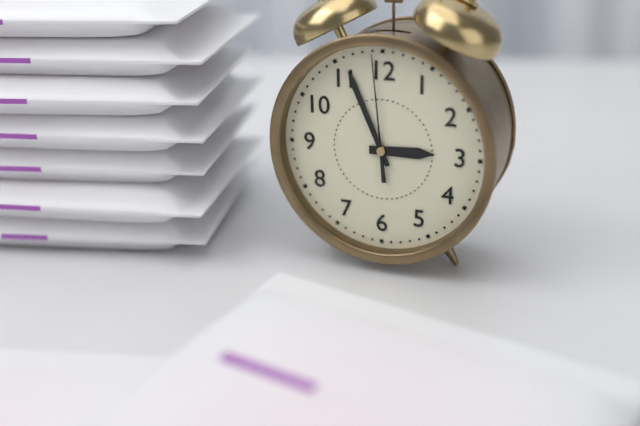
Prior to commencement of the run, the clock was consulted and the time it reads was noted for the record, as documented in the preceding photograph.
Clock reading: 2:56:59
